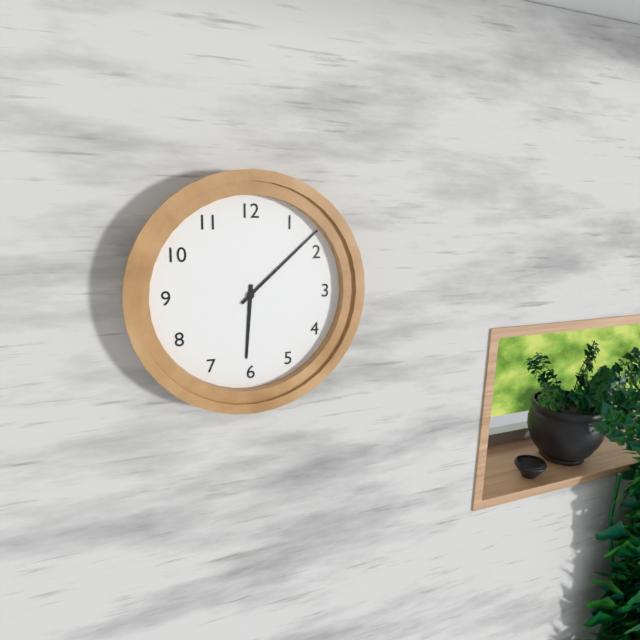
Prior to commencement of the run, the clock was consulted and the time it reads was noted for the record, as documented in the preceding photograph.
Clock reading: 6:08
